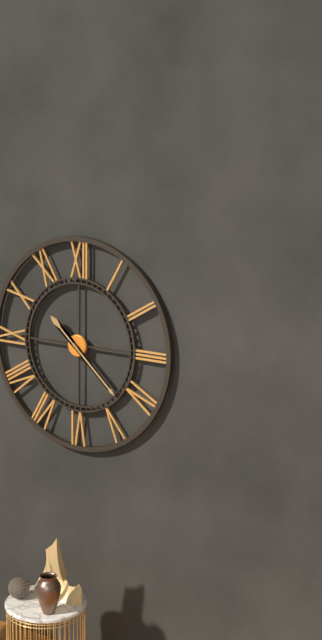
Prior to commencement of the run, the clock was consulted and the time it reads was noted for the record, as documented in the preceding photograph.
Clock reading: 10:22
